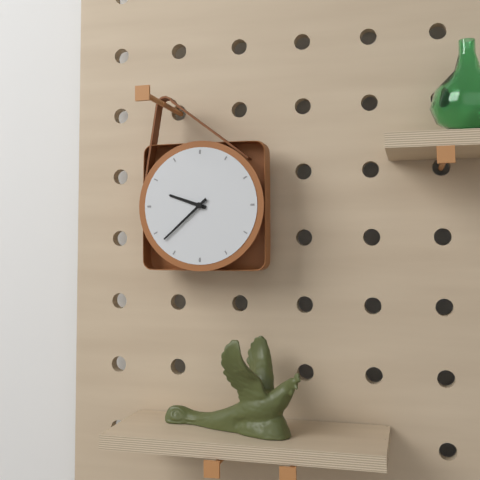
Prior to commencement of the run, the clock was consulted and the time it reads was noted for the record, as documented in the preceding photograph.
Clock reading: 9:38
